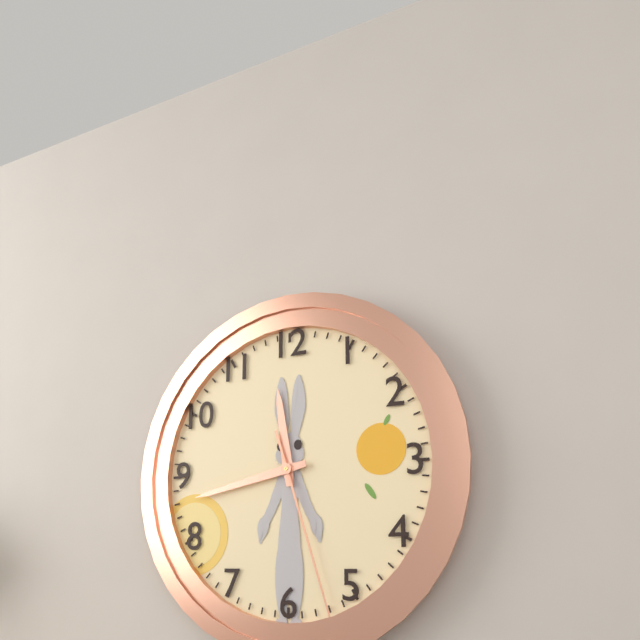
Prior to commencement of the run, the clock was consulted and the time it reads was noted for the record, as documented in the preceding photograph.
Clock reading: 11:43:27
